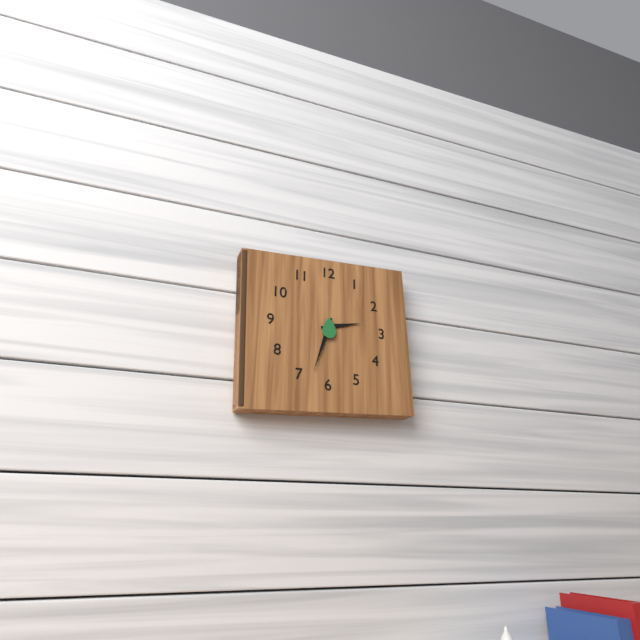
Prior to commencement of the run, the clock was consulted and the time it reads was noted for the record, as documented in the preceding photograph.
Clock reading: 2:33
